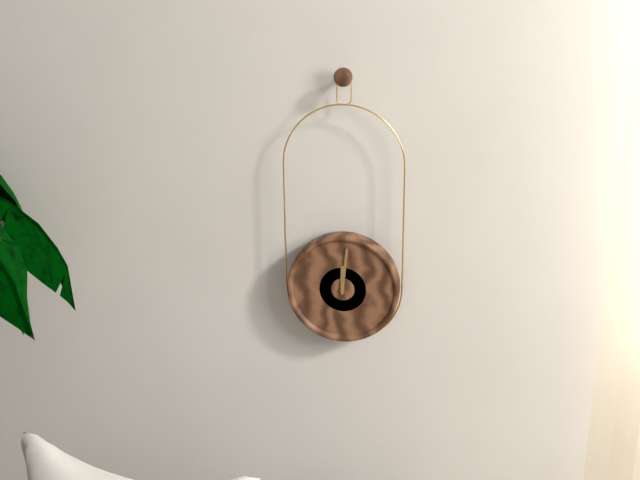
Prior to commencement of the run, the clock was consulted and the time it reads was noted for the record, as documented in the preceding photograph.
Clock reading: 12:01
